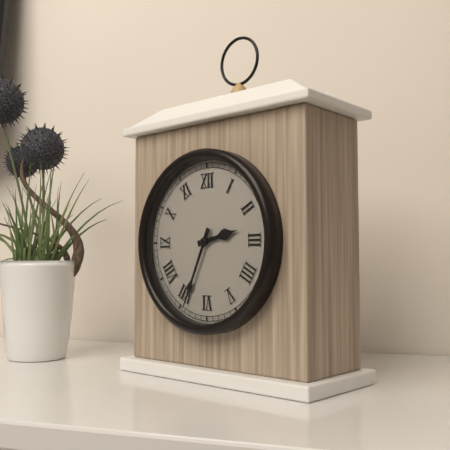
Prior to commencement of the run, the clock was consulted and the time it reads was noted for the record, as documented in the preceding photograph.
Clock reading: 2:34
